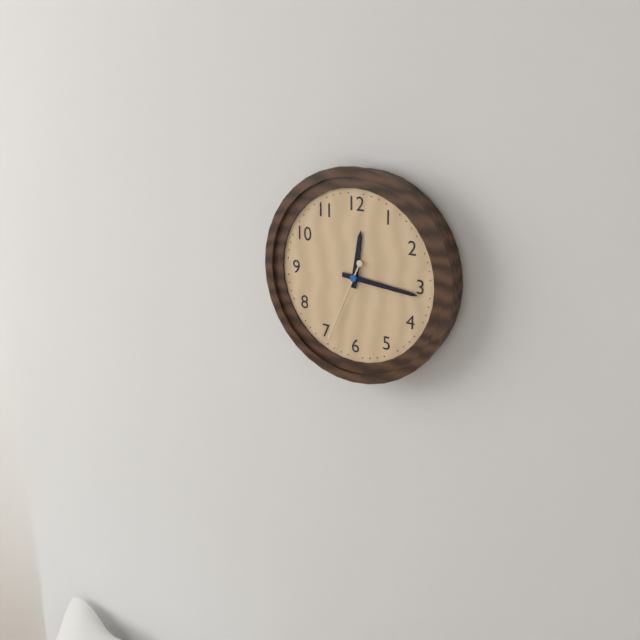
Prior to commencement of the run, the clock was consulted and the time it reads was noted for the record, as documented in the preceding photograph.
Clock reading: 12:16:34
